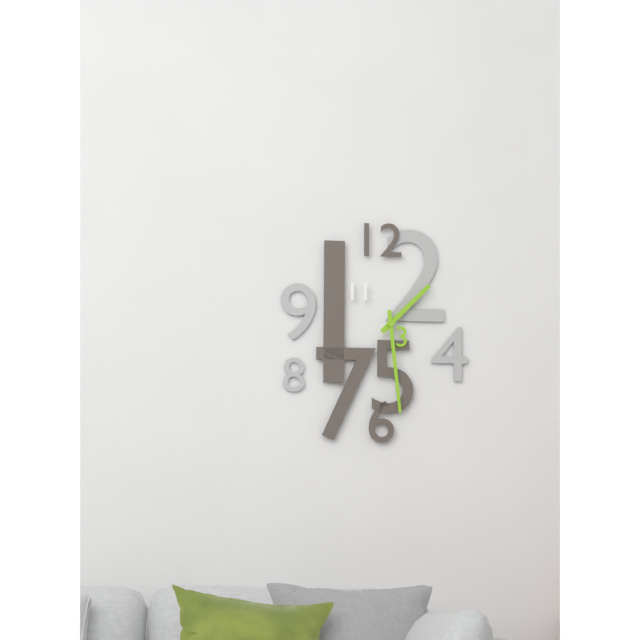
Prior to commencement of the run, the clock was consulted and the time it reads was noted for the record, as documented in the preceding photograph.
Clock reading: 1:29
